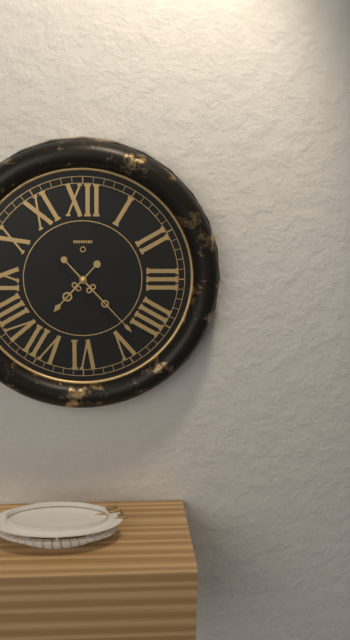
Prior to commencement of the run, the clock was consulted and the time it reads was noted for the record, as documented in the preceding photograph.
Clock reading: 7:23
